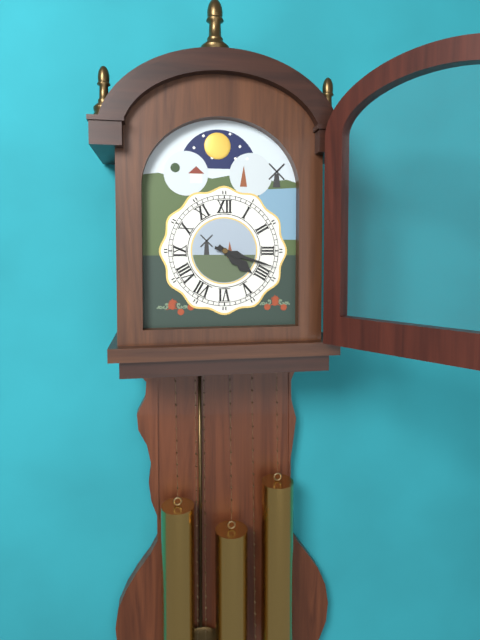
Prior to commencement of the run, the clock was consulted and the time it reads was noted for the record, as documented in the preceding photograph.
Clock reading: 4:18
